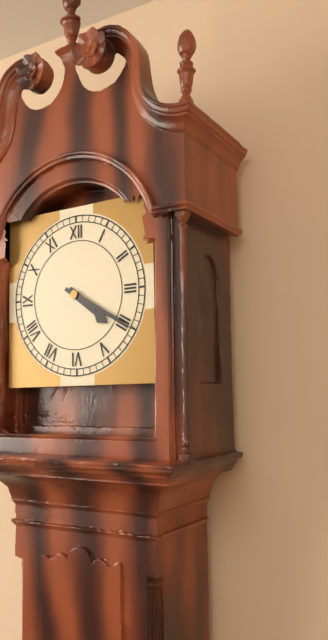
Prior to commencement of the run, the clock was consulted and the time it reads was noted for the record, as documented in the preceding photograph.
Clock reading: 4:20
